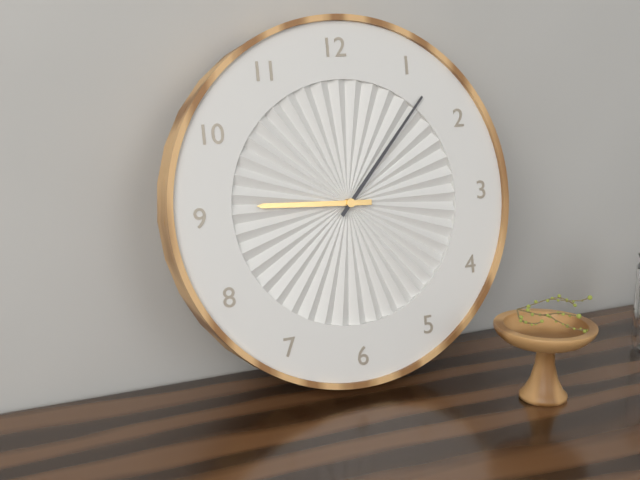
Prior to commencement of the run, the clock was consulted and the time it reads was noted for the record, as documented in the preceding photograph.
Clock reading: 9:07
